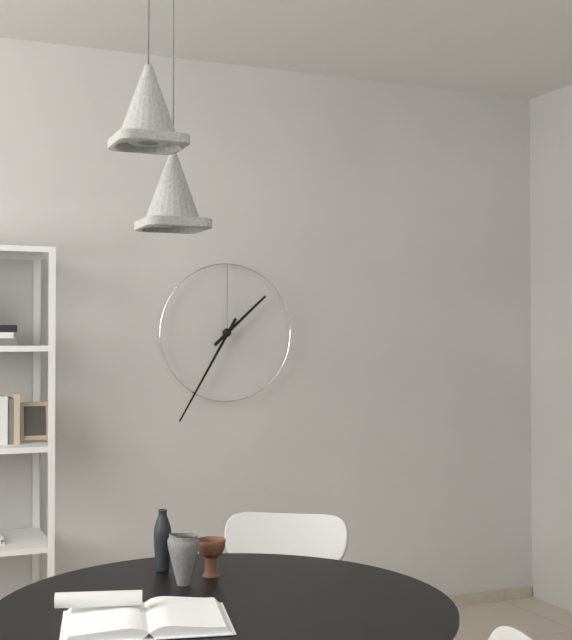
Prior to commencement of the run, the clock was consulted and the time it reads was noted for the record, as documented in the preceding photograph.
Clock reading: 1:35
